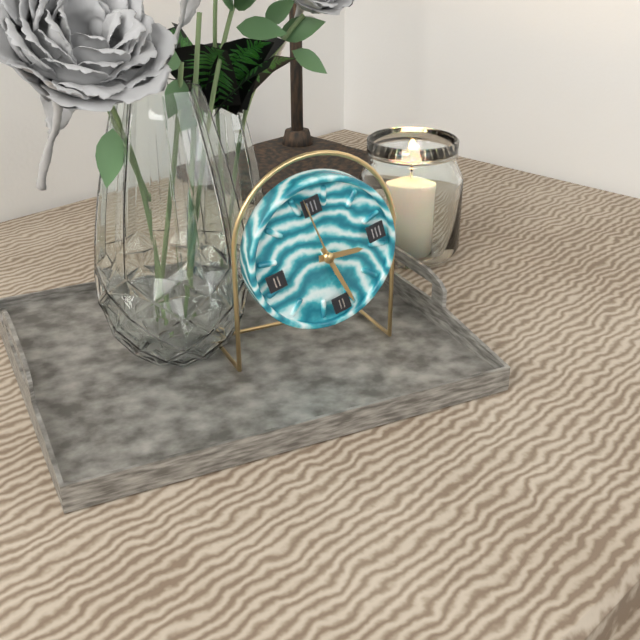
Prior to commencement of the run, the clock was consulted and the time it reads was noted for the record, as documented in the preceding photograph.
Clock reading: 3:28:59
